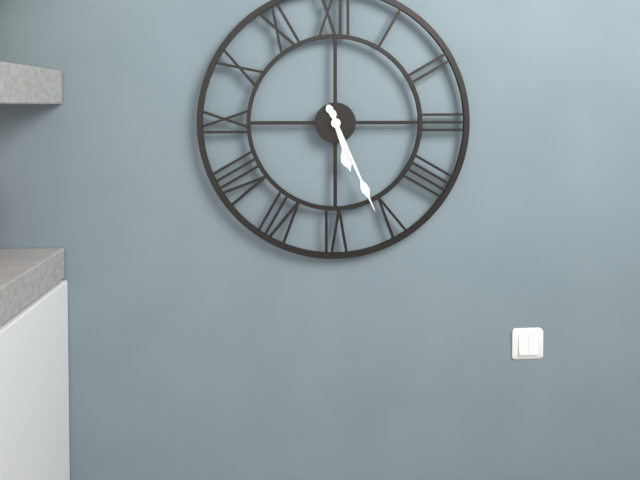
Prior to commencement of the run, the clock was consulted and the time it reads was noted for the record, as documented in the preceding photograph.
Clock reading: 5:26
